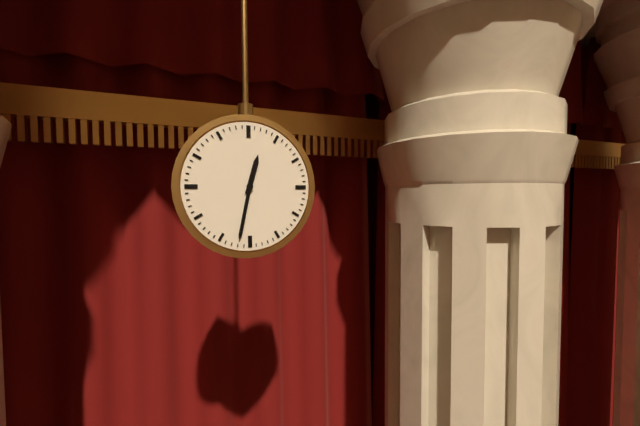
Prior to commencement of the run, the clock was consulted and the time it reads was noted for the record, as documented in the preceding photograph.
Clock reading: 12:32
